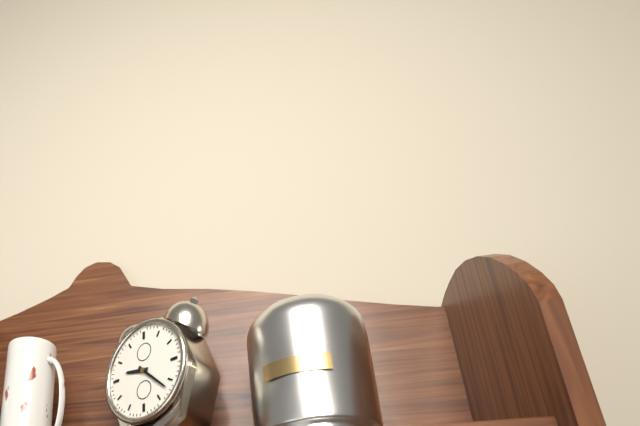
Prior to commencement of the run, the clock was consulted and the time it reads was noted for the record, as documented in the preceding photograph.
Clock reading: 9:22
